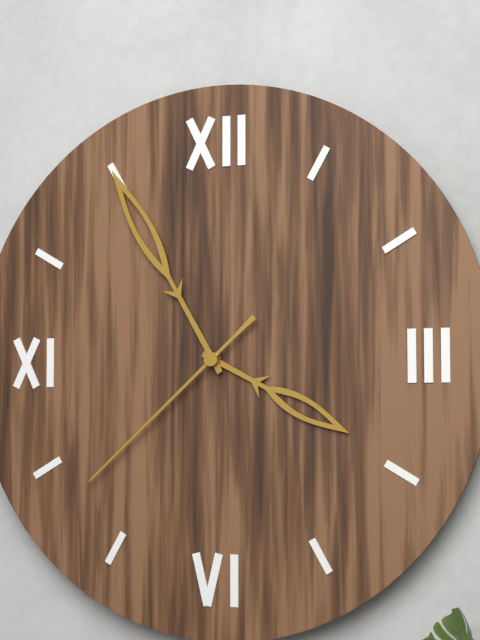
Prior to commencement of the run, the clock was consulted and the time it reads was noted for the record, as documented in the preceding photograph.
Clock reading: 3:55:38
